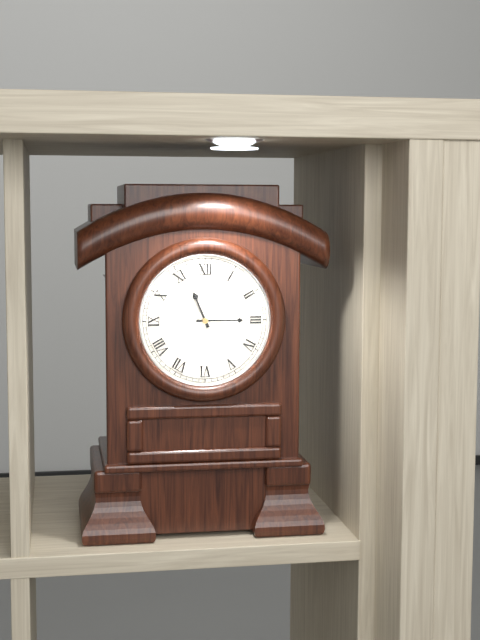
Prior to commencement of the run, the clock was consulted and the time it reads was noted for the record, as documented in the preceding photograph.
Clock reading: 11:15
